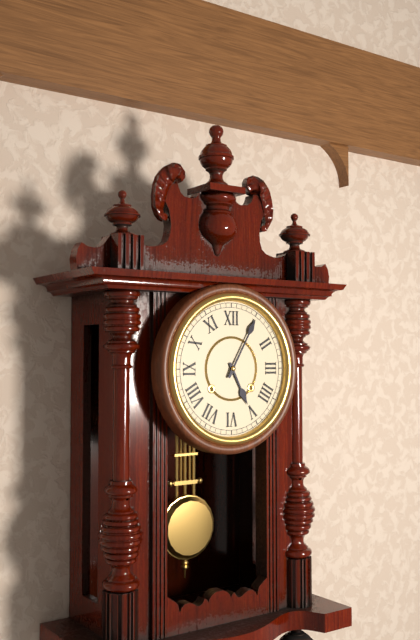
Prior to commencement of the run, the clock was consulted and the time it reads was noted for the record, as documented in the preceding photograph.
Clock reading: 5:05
